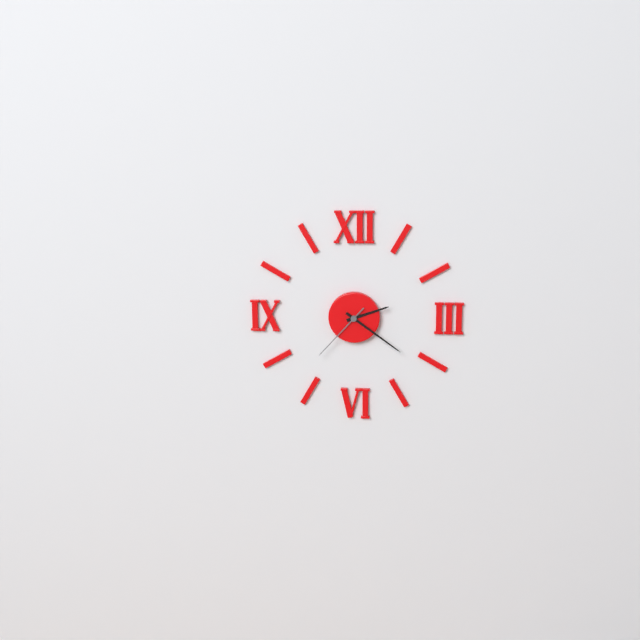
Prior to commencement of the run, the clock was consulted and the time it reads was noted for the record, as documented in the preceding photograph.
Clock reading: 2:21:37
